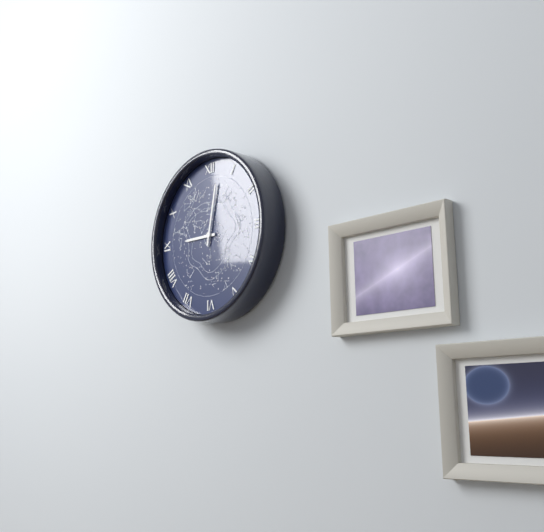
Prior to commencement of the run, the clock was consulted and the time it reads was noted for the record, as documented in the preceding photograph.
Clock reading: 9:02
